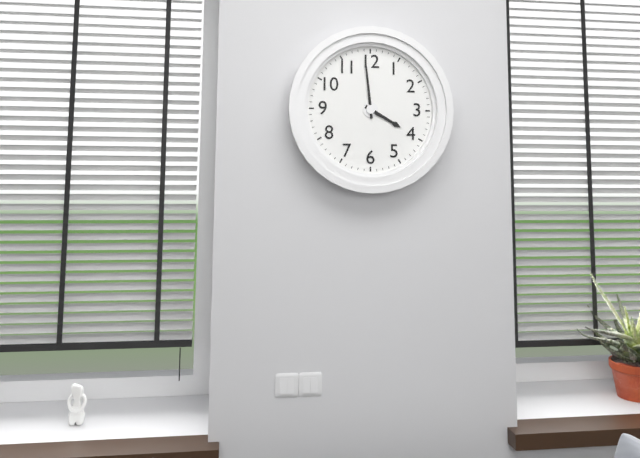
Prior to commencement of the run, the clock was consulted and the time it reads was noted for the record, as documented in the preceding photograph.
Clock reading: 3:59
